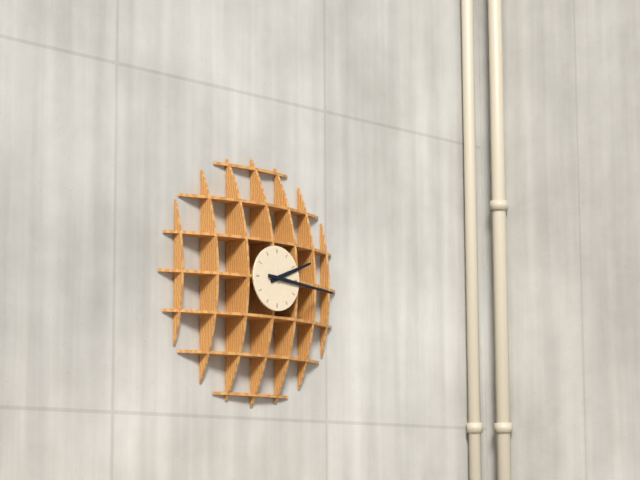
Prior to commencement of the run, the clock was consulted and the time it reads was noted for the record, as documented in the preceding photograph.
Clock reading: 2:16
